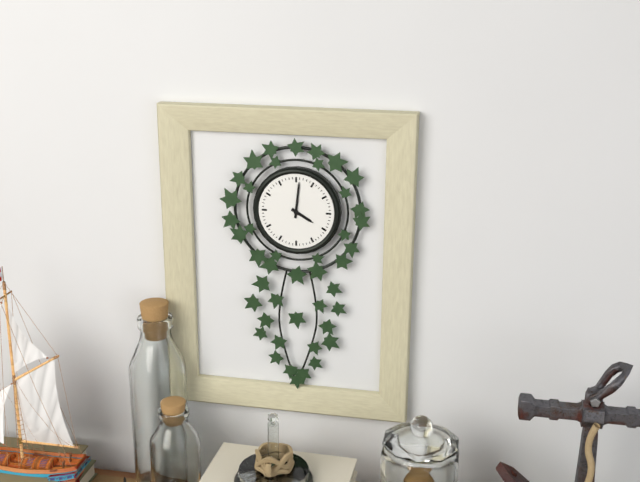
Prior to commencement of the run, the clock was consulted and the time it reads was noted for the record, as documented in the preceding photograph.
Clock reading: 4:01
